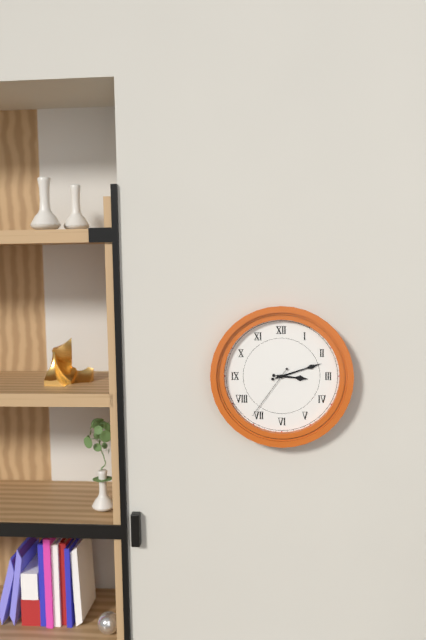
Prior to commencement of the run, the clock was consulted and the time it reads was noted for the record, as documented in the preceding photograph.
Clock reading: 3:12:36
